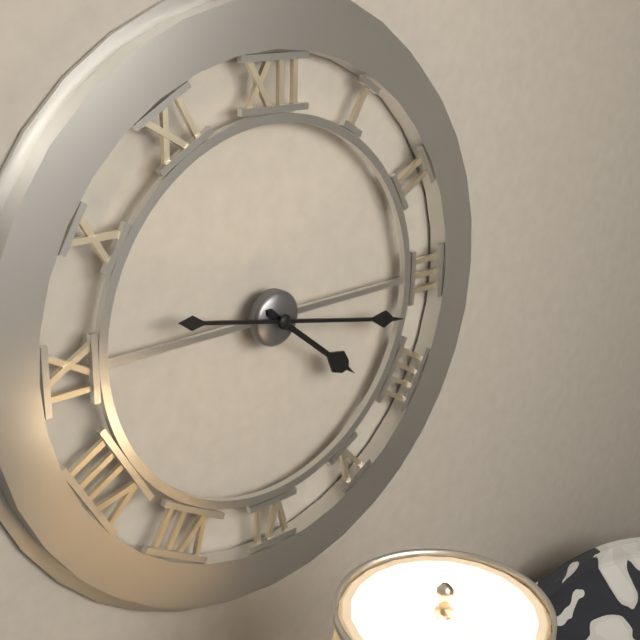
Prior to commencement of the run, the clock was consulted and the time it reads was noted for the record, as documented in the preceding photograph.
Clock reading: 4:17
